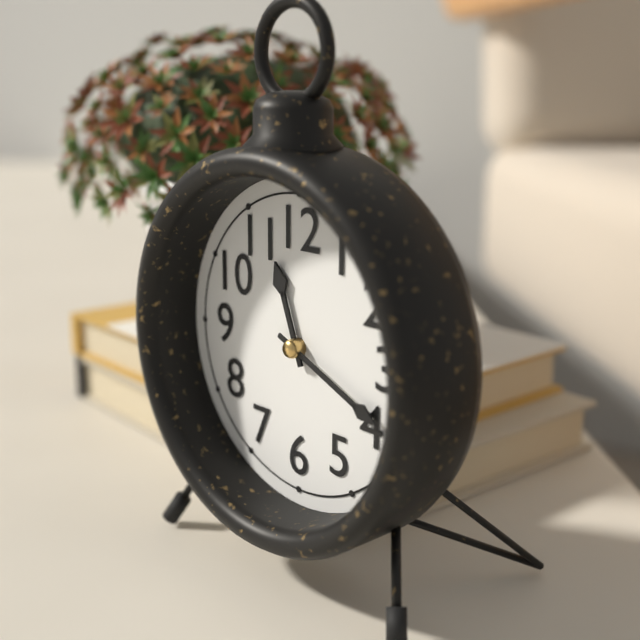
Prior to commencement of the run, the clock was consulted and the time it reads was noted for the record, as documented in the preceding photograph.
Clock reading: 11:19
